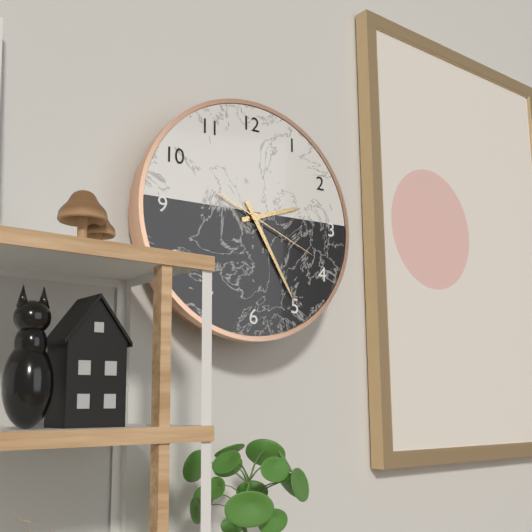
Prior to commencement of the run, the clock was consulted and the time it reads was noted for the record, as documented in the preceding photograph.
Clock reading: 2:25:19
